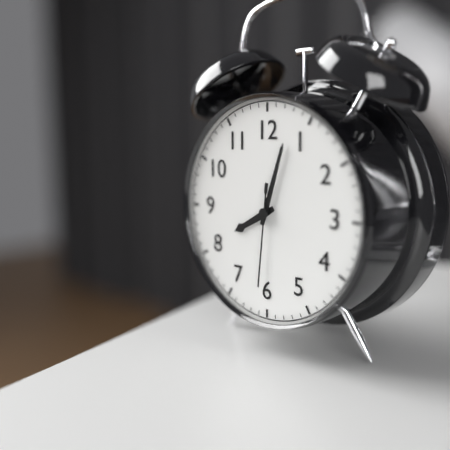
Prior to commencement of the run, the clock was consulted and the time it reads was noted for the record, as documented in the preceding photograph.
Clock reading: 8:03:31
